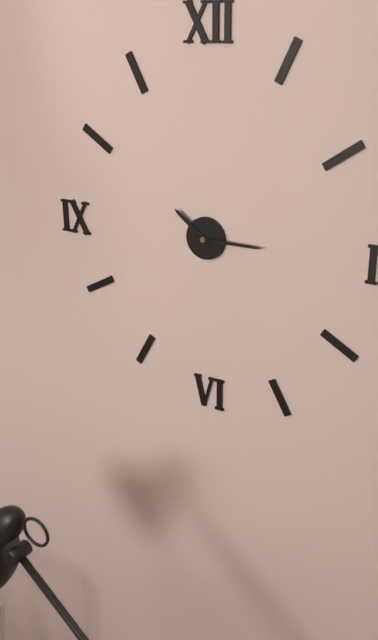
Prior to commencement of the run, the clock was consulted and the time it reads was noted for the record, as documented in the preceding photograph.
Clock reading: 10:15
